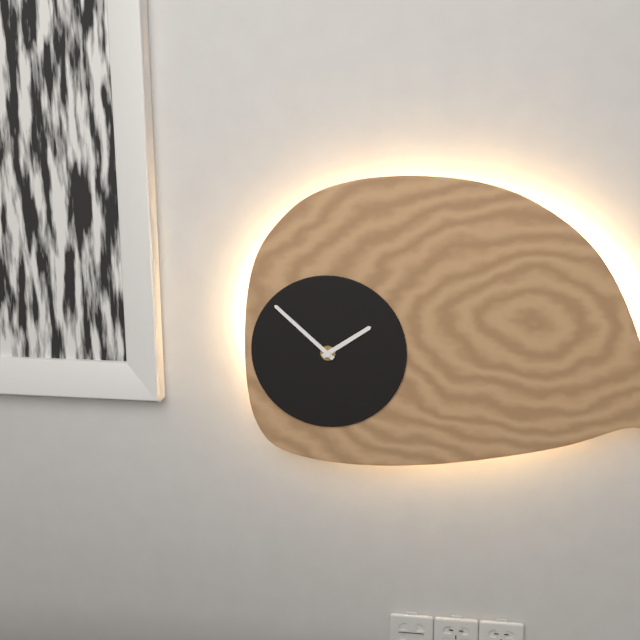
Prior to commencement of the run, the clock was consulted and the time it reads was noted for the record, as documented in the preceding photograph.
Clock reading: 1:52
